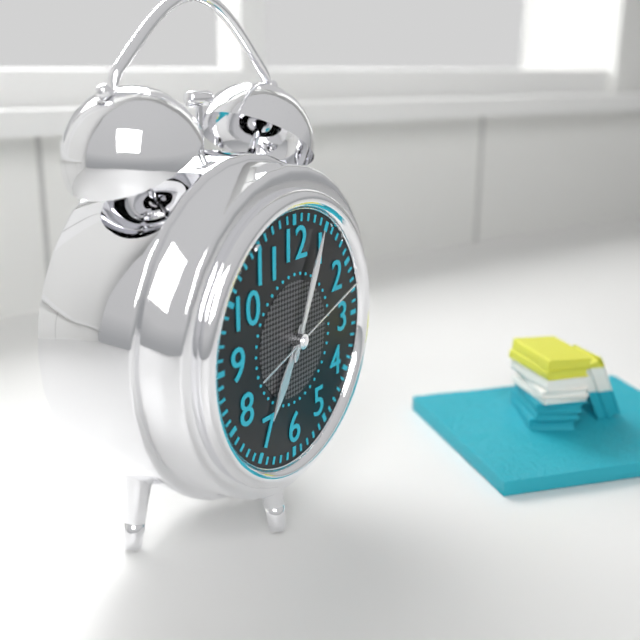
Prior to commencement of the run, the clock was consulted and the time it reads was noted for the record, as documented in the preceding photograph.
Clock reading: 7:04:12
